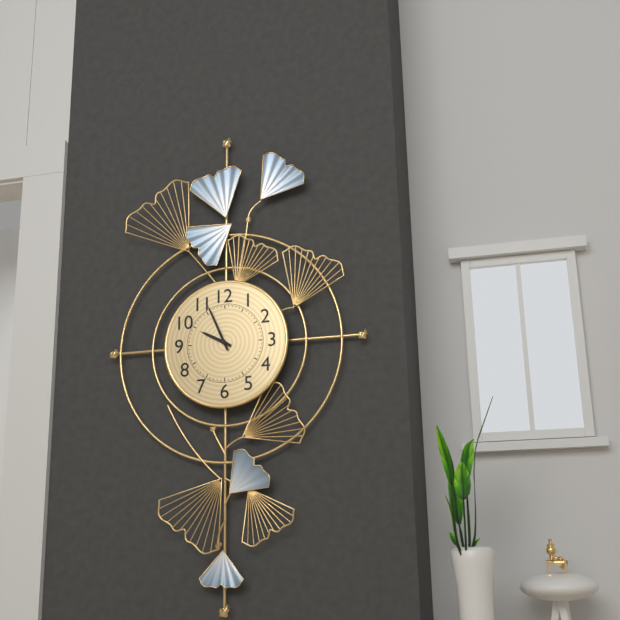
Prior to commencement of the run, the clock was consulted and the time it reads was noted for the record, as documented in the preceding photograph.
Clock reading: 9:56
